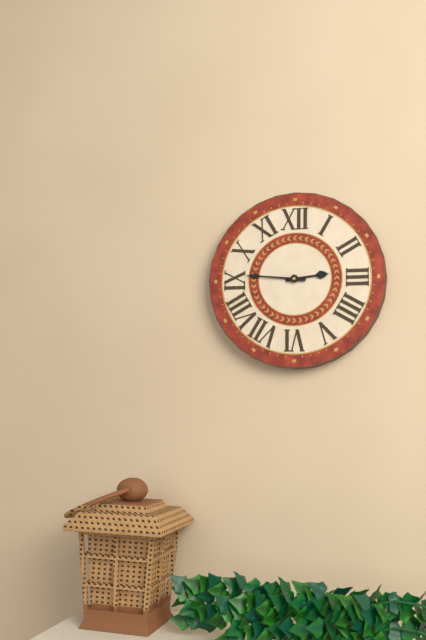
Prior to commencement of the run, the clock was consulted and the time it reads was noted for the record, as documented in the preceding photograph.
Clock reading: 2:46
